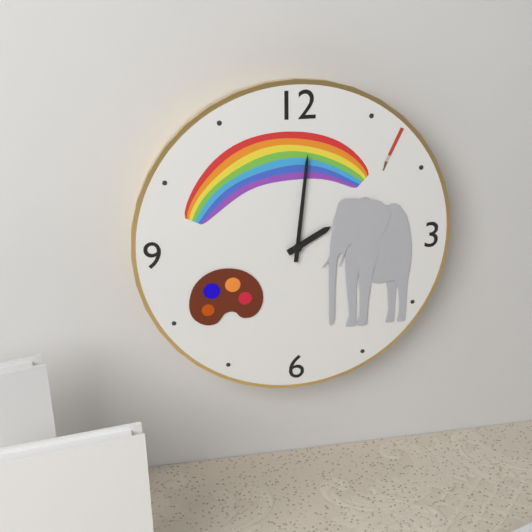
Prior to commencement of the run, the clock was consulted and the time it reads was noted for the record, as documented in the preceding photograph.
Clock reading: 2:01
